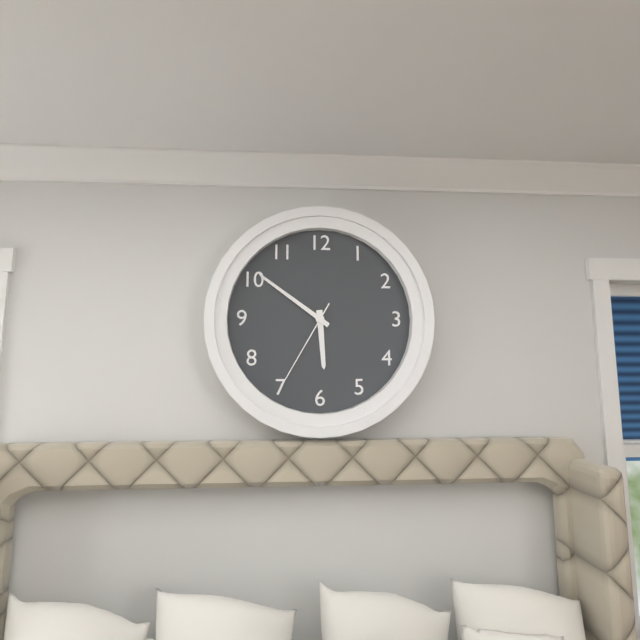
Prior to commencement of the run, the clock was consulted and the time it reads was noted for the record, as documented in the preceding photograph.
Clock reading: 5:51:35
